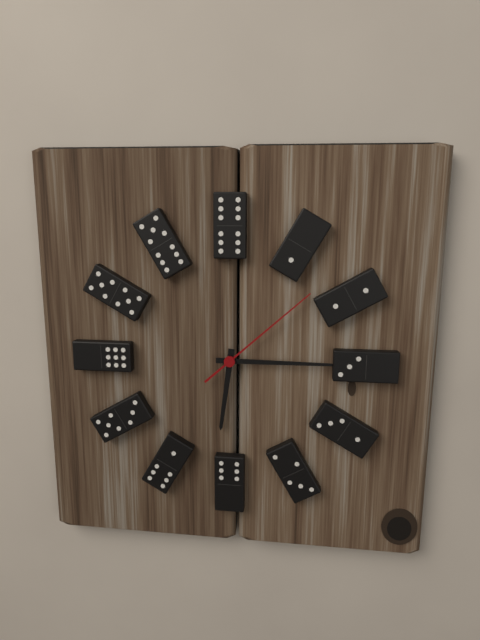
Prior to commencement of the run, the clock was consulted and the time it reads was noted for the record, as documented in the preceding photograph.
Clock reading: 6:15:08
